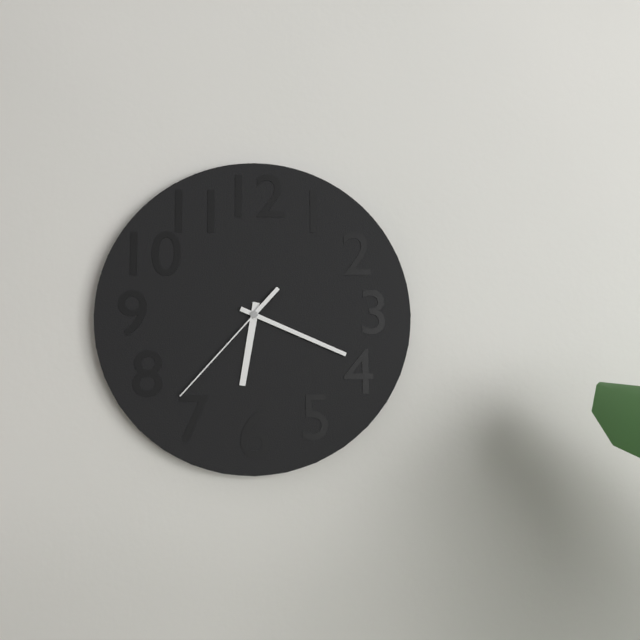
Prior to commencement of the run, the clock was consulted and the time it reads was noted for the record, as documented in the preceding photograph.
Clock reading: 6:19:37
